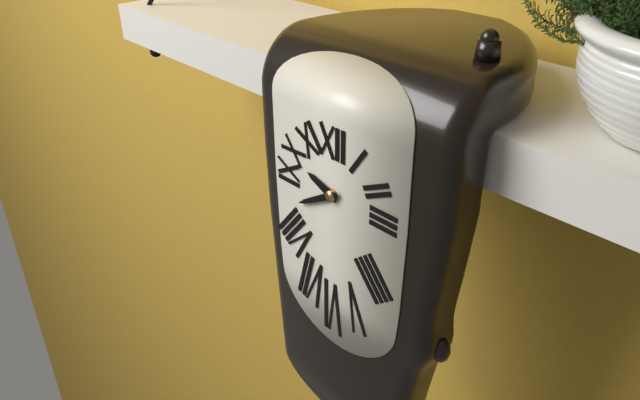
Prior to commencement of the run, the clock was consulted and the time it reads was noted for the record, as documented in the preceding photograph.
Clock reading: 9:40
